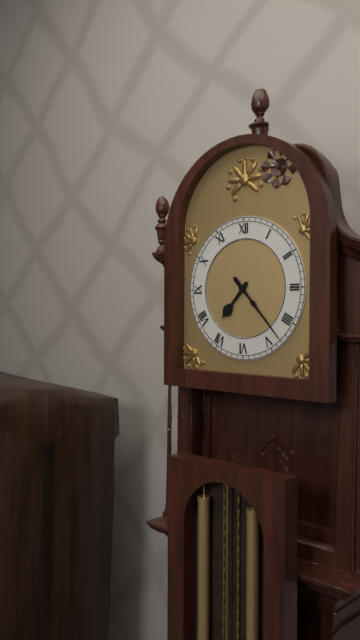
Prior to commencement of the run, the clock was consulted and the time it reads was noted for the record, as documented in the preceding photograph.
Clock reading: 7:23
